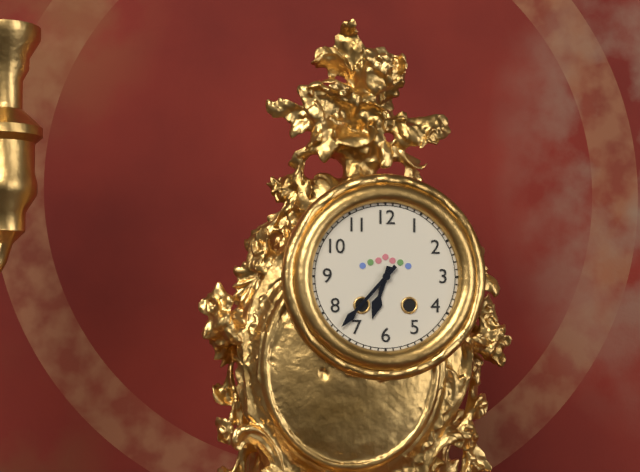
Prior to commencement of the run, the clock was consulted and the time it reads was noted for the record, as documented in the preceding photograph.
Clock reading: 6:37
